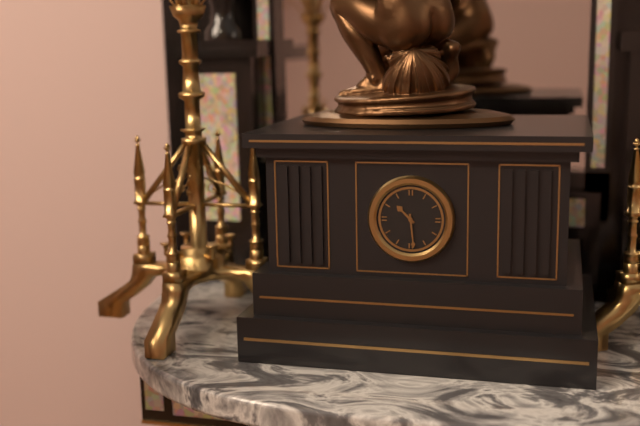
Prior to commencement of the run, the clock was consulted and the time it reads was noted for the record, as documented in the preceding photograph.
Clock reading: 10:29
